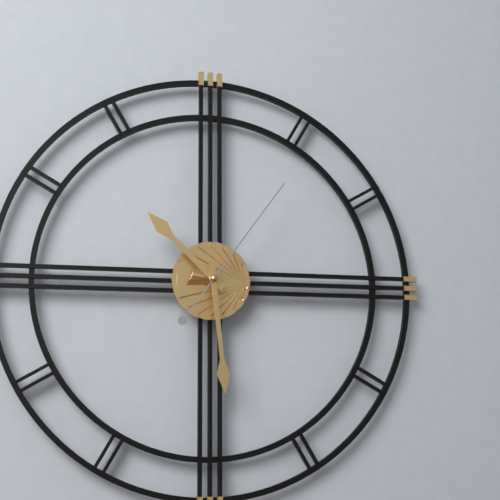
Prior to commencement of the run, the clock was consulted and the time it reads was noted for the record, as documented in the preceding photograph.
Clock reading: 10:29:06
